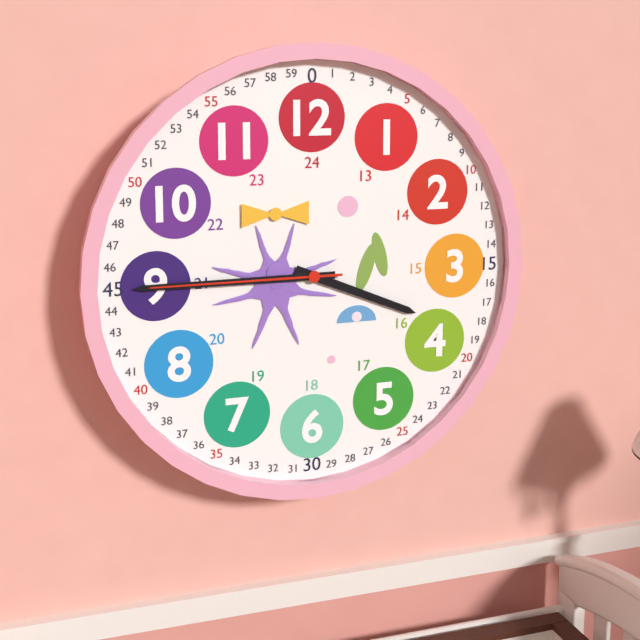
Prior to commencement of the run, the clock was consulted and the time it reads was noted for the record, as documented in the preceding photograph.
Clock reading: 3:45:45
